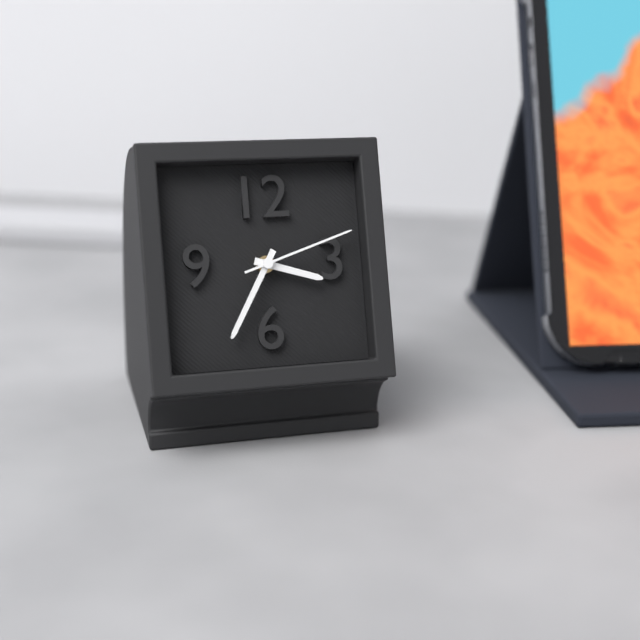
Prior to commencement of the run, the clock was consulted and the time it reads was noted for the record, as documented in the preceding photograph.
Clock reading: 3:35:12
